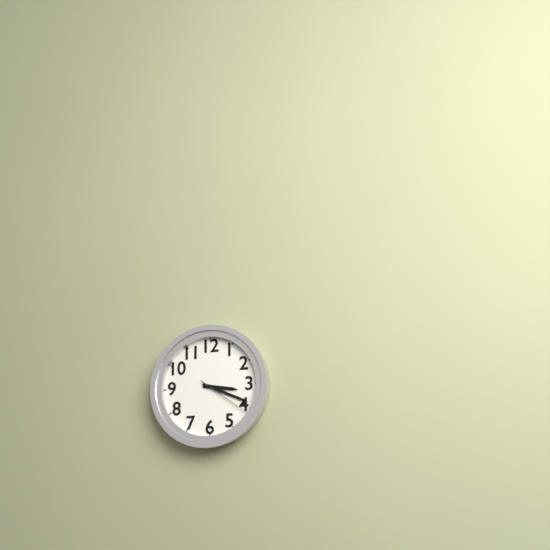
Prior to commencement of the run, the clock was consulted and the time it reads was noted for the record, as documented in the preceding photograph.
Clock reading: 3:19:21
